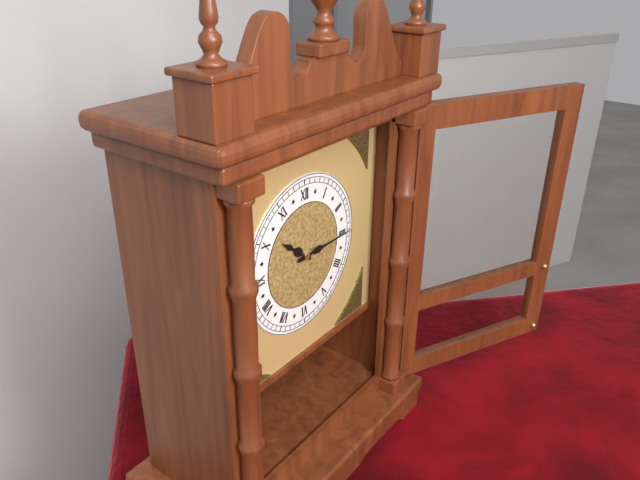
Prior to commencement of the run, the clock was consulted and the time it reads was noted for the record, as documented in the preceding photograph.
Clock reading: 10:15
